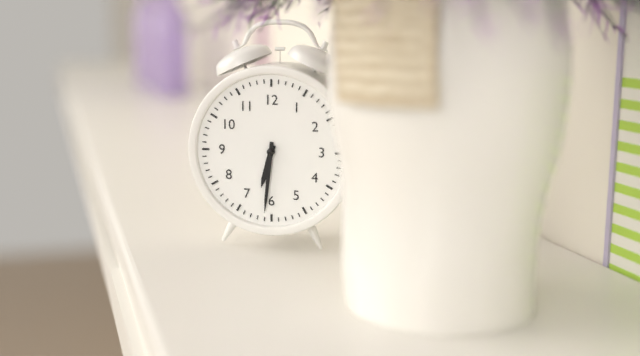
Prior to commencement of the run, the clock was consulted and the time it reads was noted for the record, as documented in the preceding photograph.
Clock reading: 6:31
